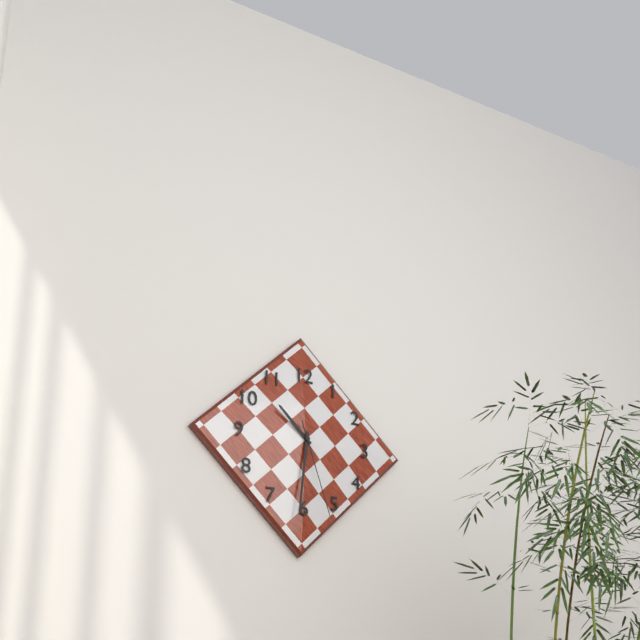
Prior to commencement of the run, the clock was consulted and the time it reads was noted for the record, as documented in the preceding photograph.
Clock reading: 10:31:27
